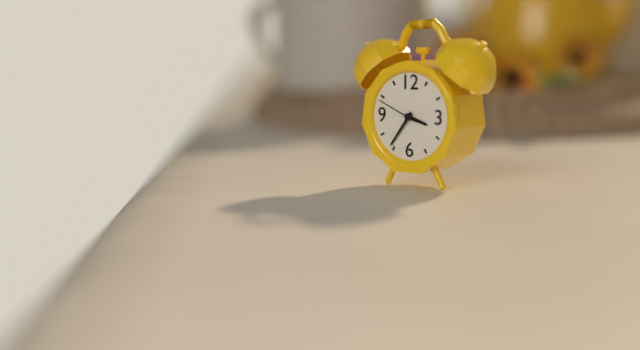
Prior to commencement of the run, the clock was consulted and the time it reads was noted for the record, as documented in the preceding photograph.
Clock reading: 3:36
